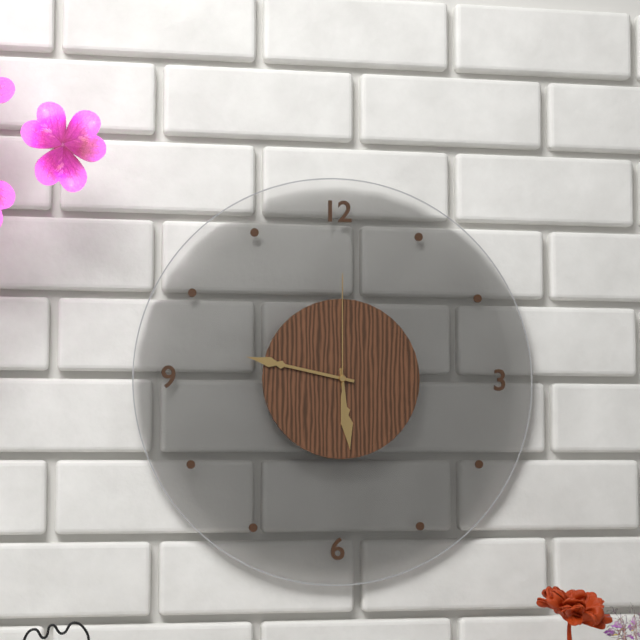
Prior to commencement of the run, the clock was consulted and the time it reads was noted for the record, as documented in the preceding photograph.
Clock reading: 5:47:00
